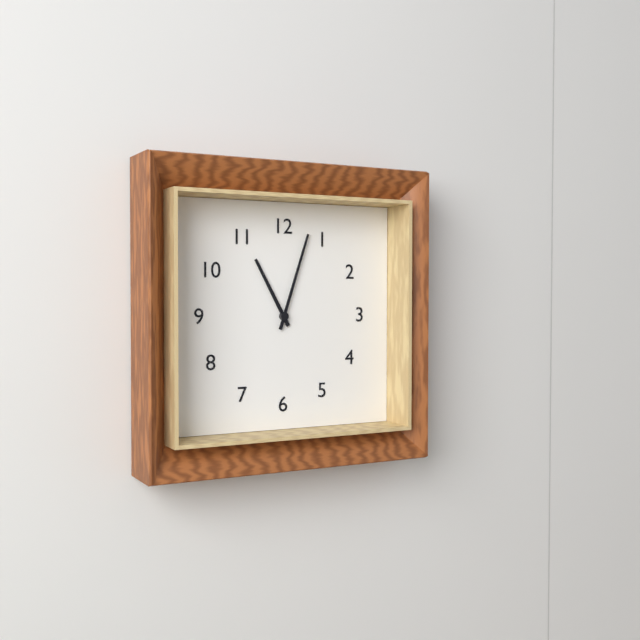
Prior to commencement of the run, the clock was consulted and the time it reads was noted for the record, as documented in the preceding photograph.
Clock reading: 11:03
